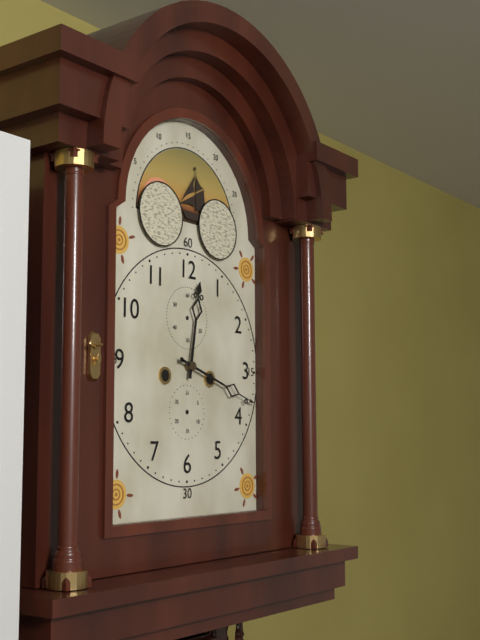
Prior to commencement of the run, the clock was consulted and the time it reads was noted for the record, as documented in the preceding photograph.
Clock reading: 12:18
